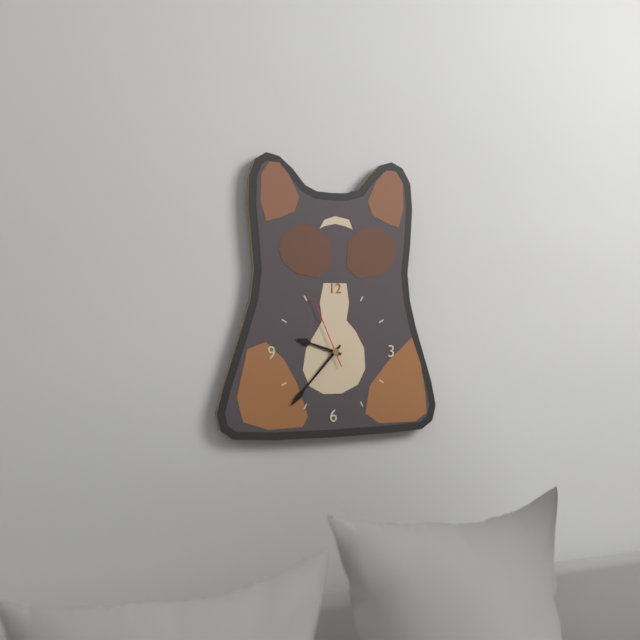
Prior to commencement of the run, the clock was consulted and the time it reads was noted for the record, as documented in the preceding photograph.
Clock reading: 9:37:56
